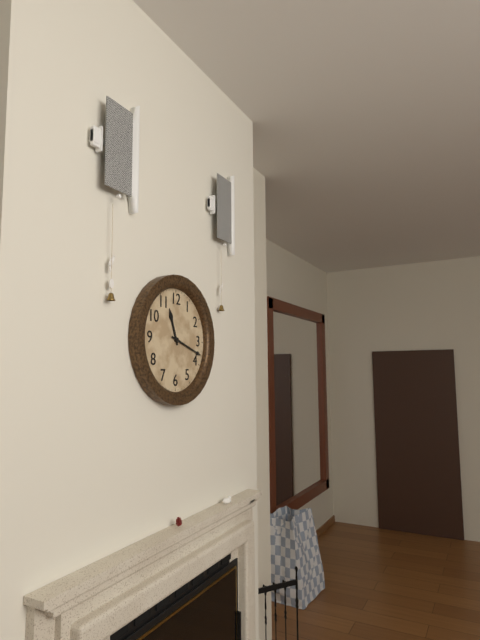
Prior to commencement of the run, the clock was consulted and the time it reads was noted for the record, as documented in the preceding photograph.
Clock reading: 11:18
